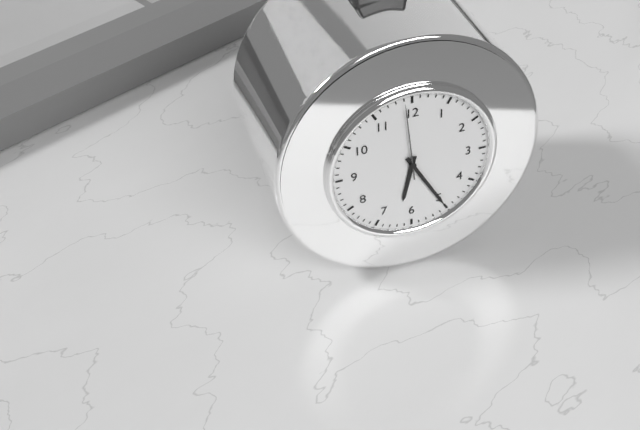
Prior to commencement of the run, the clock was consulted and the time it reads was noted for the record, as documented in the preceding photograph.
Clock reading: 6:25:59
